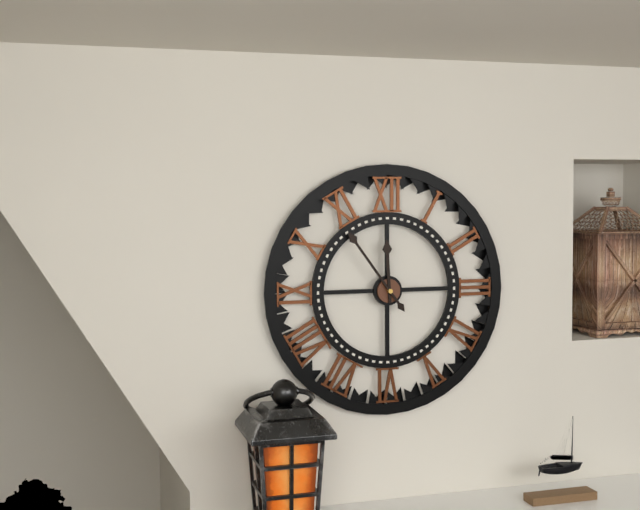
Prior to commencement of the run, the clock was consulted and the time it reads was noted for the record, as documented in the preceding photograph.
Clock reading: 11:54
